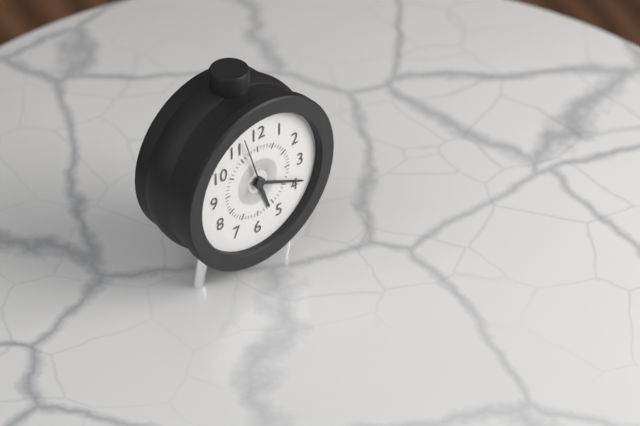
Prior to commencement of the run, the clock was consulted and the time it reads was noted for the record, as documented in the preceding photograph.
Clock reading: 5:19:57
